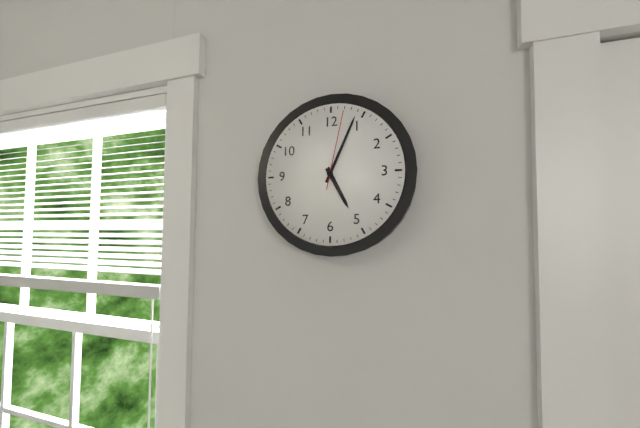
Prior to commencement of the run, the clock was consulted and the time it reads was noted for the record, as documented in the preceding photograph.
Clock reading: 5:04:02
